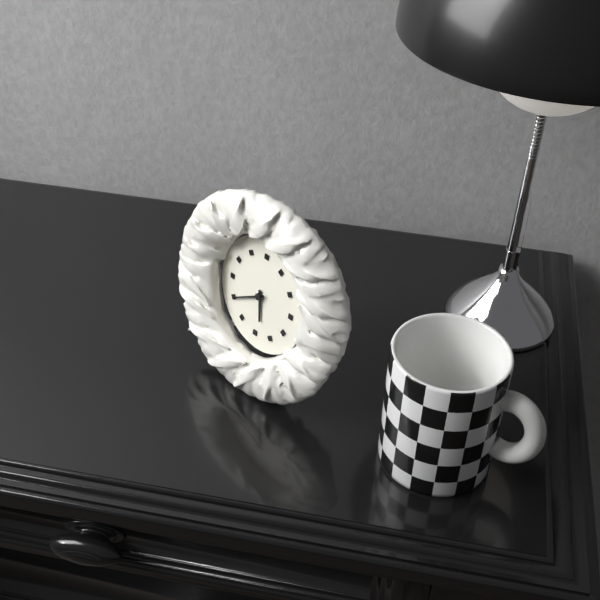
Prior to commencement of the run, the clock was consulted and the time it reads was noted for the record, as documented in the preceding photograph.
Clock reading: 5:40
